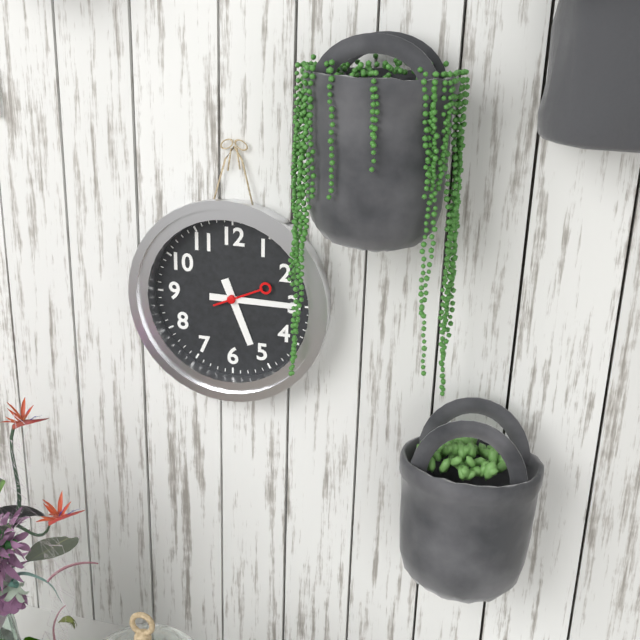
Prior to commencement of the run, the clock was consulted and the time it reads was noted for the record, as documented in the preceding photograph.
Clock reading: 5:15:11
